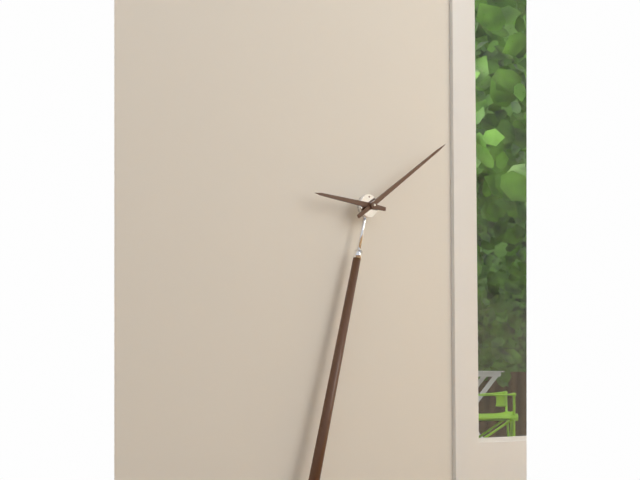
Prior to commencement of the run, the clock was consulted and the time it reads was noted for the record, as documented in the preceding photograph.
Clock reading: 9:09
